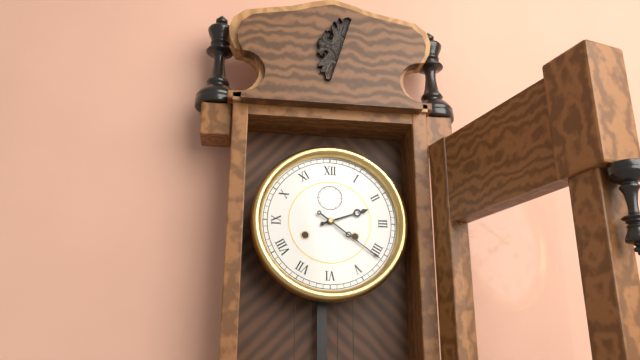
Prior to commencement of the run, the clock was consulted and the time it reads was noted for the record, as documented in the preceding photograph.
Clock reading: 2:21
